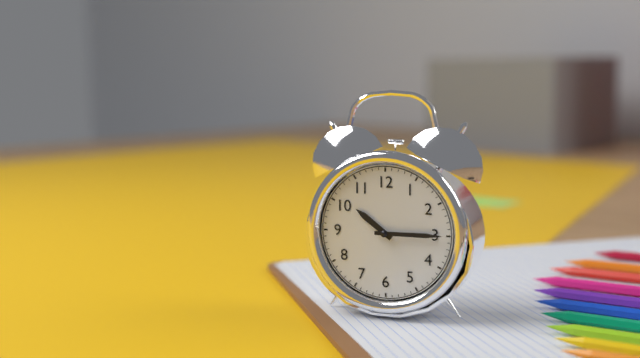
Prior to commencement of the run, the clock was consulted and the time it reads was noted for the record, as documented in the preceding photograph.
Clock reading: 10:15
